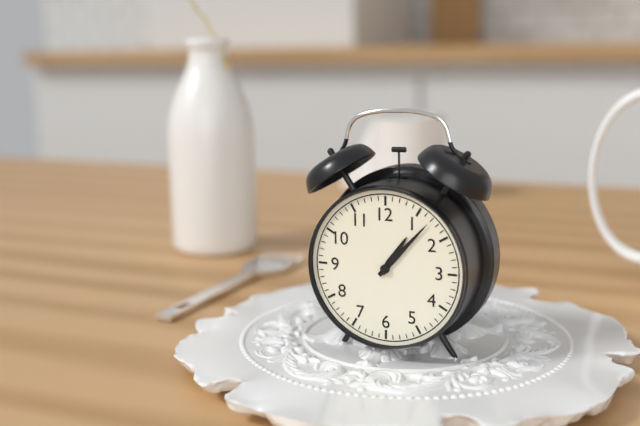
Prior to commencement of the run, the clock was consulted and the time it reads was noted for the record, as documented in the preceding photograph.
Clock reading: 1:07
